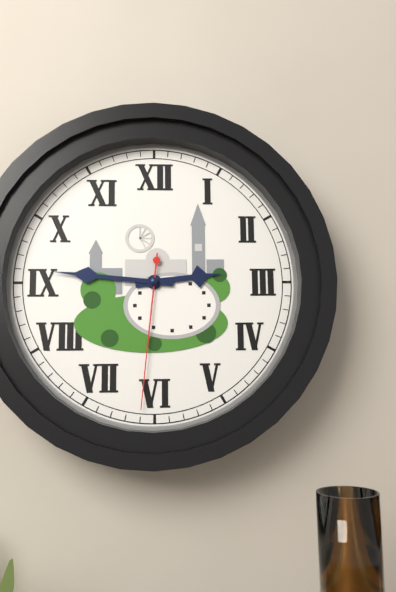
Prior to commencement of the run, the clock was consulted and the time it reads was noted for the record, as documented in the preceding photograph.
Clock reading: 2:46:31
